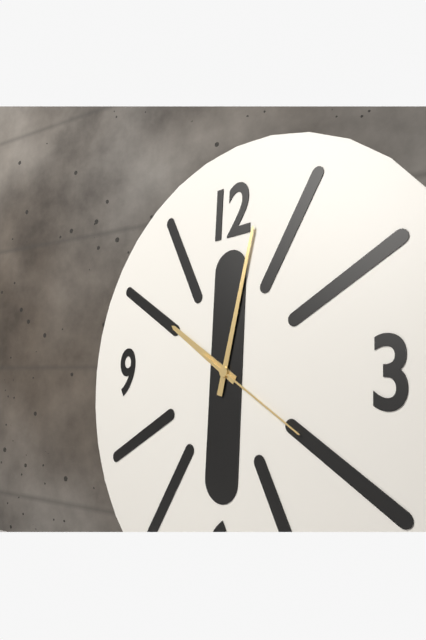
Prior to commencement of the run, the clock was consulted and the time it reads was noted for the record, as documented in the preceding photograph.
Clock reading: 10:02:20
